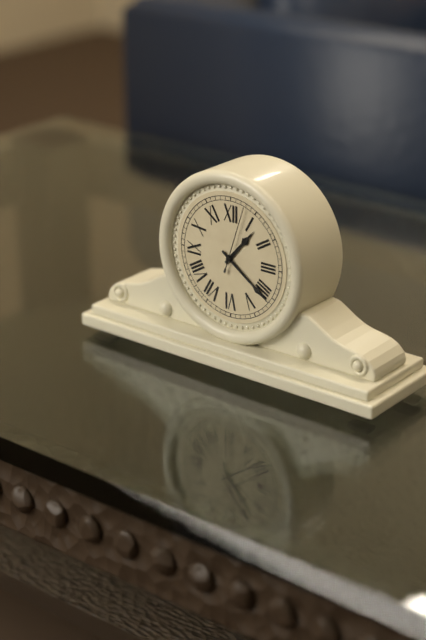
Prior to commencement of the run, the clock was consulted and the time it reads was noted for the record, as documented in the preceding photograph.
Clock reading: 1:21:03
